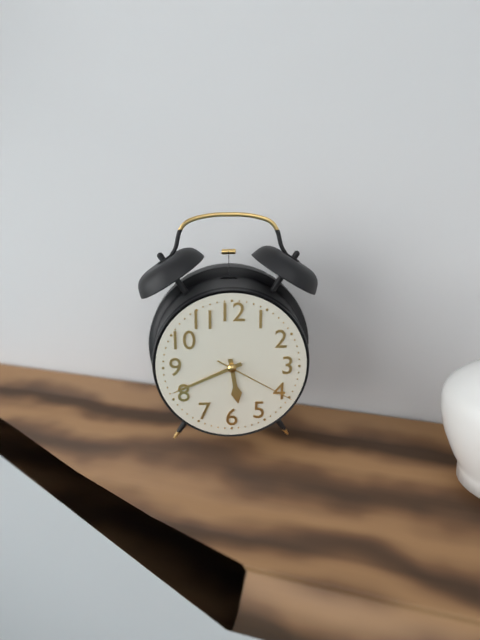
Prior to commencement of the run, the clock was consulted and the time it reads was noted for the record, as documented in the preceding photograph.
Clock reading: 5:41:20
